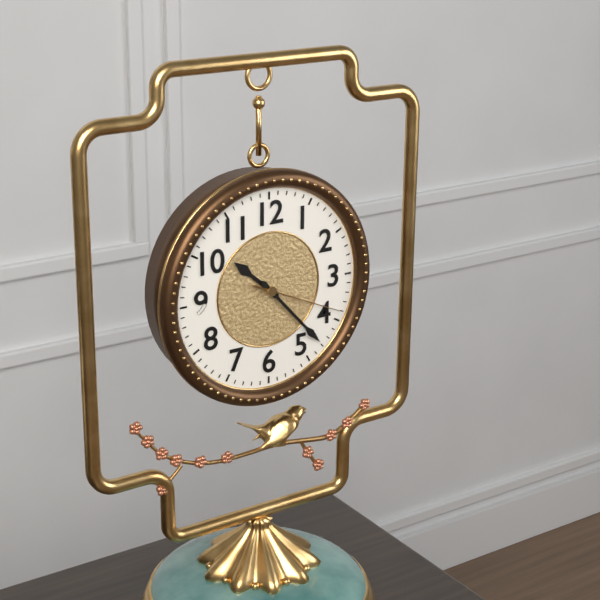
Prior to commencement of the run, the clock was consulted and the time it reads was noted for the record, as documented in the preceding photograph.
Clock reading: 10:23:19
